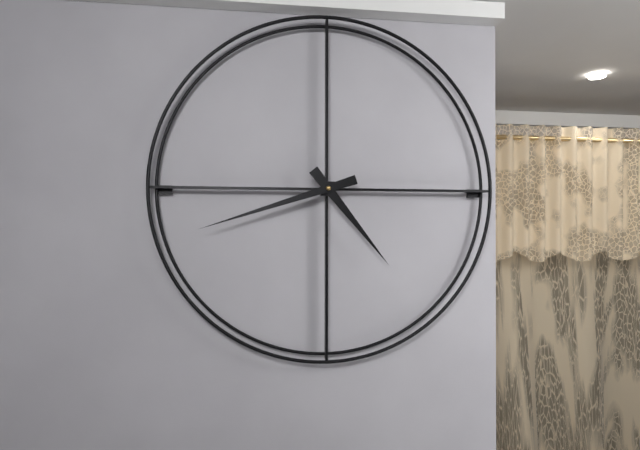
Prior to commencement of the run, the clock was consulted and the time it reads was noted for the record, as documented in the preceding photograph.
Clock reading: 4:42
